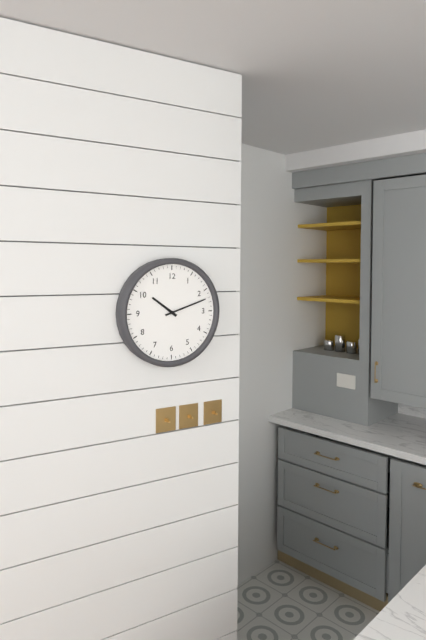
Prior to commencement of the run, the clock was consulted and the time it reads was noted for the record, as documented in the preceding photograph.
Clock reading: 10:12
